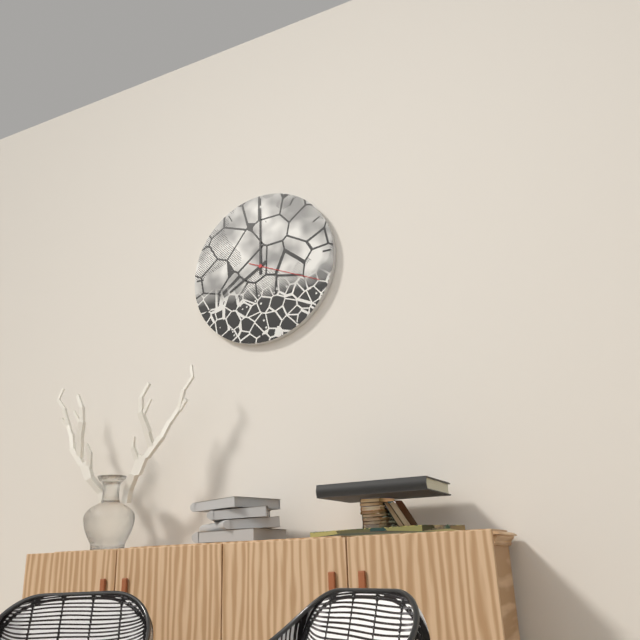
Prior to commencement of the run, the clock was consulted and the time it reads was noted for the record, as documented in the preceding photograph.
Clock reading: 8:00:19
